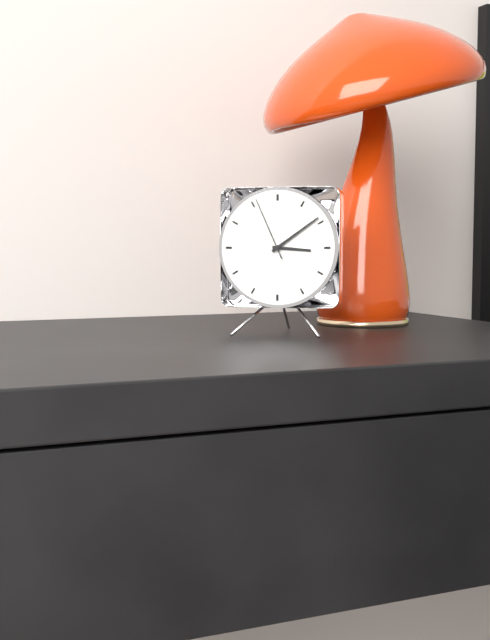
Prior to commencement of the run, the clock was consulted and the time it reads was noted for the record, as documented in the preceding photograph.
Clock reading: 3:09:56
